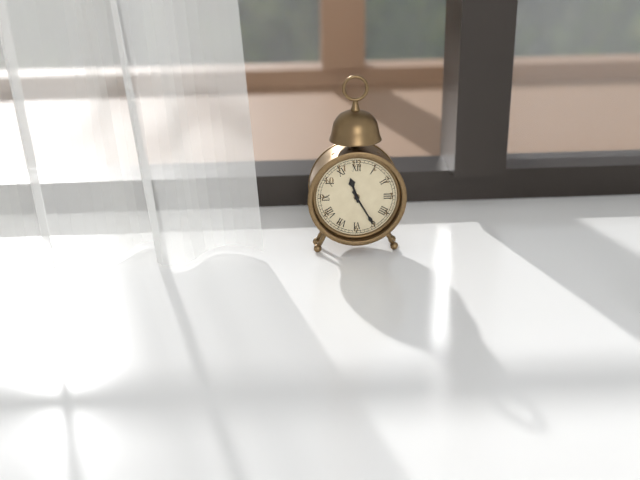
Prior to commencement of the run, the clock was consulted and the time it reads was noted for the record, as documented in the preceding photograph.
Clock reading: 11:25
